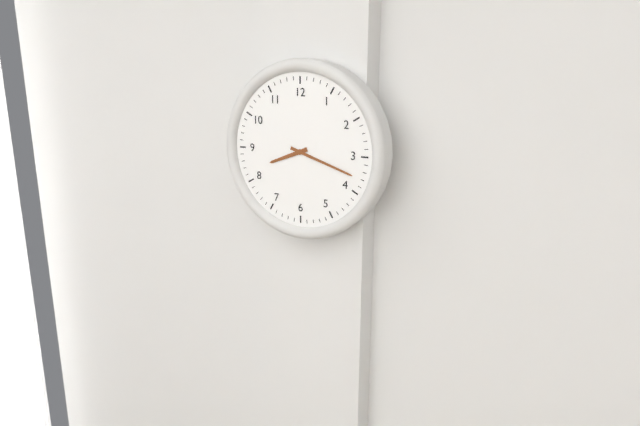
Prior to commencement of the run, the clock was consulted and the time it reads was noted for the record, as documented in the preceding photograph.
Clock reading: 8:18
